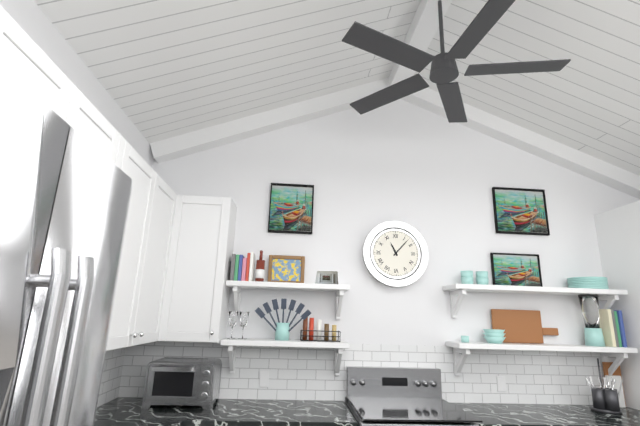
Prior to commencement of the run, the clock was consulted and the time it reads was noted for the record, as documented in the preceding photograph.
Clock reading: 11:07
